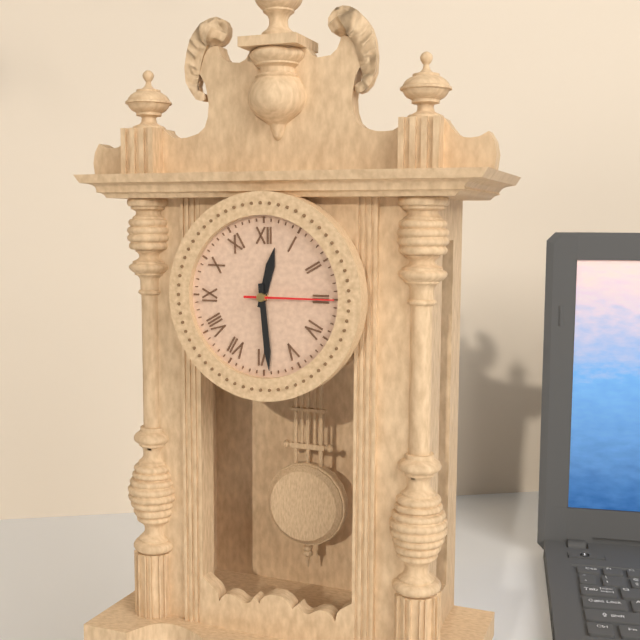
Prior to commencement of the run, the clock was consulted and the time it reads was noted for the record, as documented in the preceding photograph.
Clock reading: 12:29:15
